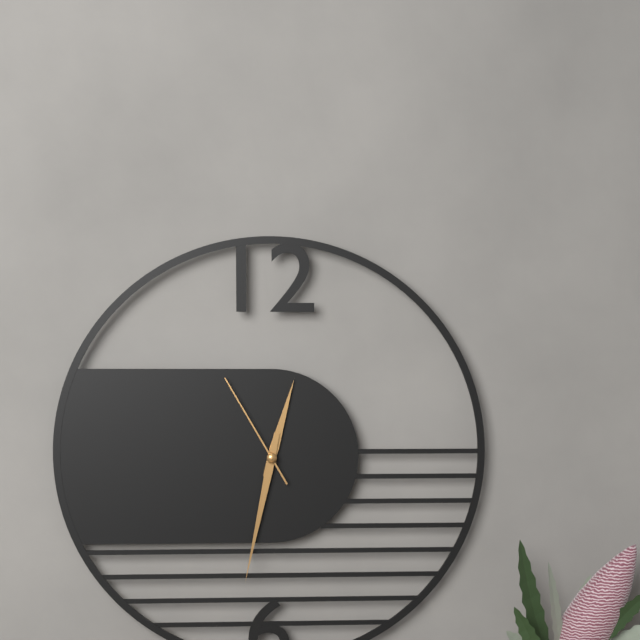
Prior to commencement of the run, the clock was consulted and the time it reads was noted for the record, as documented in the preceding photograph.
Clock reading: 12:32:55
